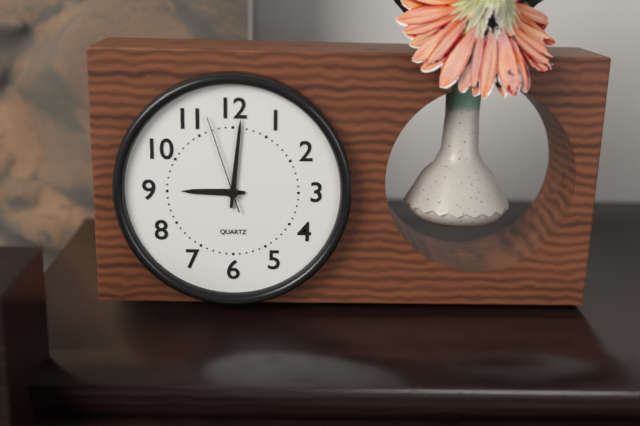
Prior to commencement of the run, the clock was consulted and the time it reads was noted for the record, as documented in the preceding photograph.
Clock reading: 9:01:57
